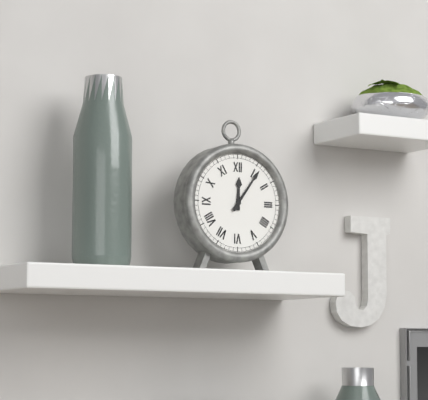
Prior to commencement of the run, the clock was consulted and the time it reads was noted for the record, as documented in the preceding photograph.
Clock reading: 12:06
